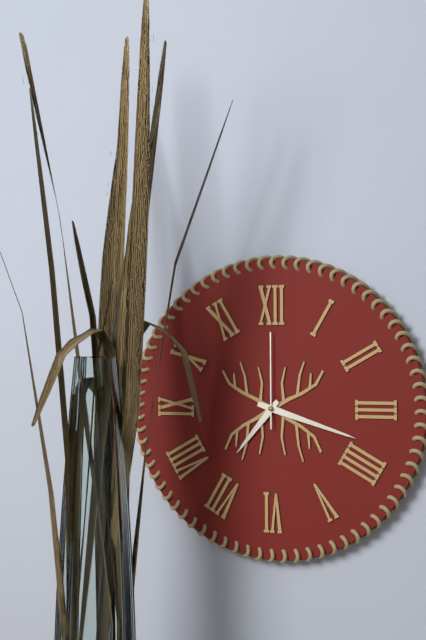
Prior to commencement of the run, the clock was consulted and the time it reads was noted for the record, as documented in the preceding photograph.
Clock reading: 7:18:00
